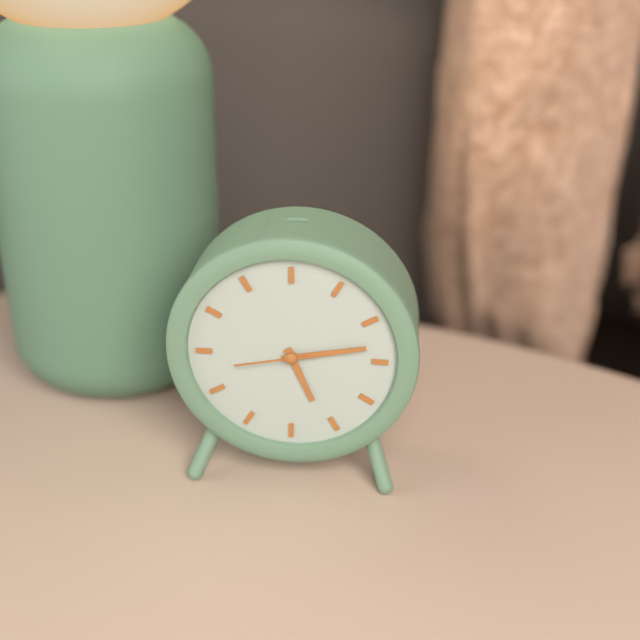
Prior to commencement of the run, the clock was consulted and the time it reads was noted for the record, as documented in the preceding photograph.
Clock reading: 5:13:43
